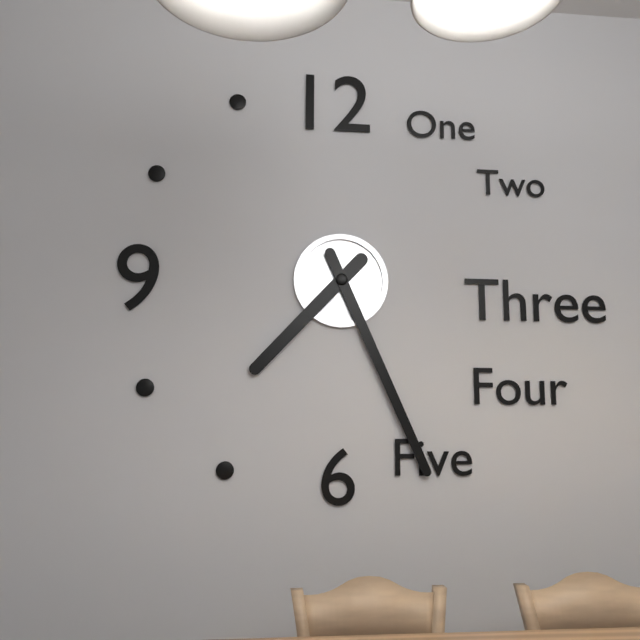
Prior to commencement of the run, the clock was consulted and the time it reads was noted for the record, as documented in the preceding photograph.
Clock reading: 7:26
